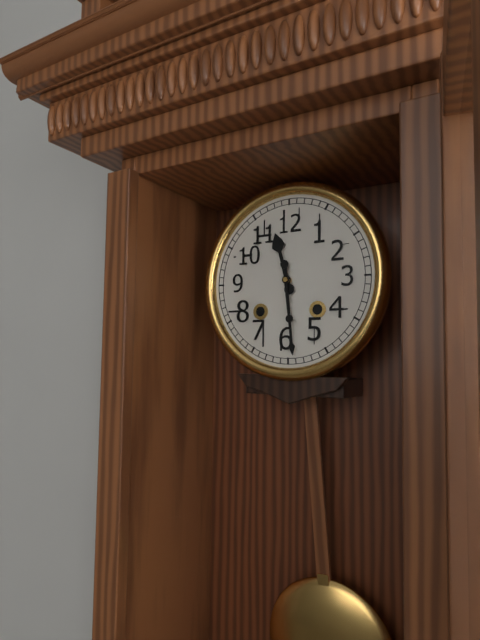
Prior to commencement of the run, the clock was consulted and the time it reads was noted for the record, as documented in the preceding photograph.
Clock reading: 11:29
